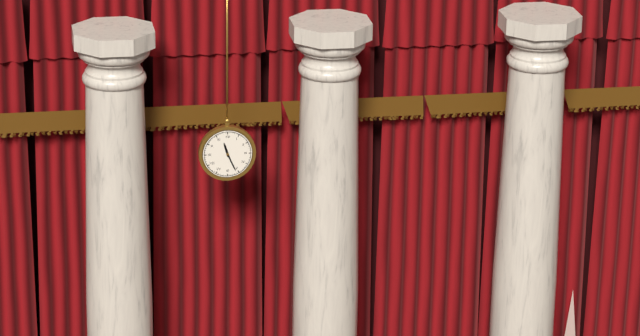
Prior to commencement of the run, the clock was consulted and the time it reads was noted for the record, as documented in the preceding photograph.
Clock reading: 11:26
